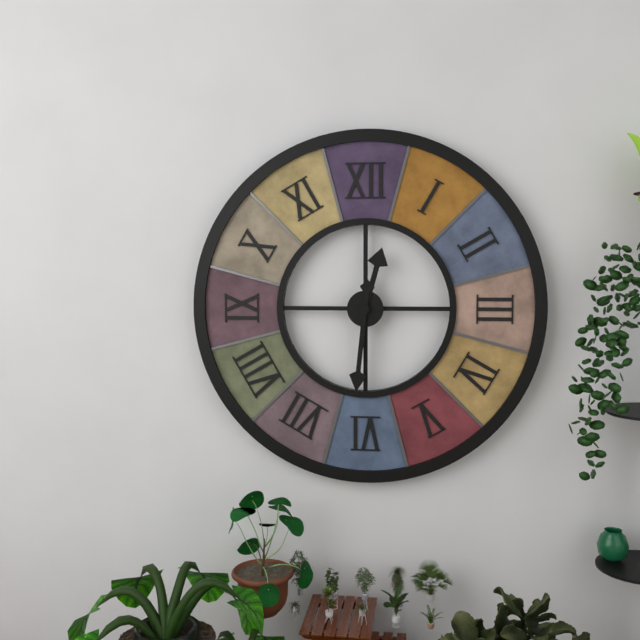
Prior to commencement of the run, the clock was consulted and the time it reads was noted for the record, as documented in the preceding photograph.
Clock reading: 12:31
